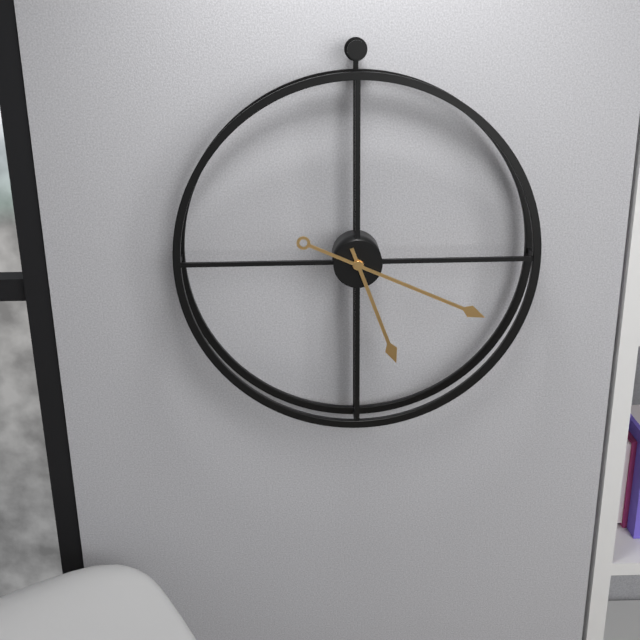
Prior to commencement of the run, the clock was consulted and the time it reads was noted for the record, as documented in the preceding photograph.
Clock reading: 5:19
